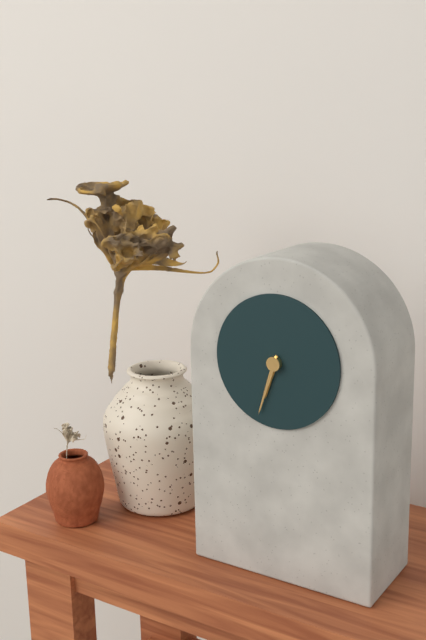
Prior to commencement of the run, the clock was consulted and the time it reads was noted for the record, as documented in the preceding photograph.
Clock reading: 6:33
